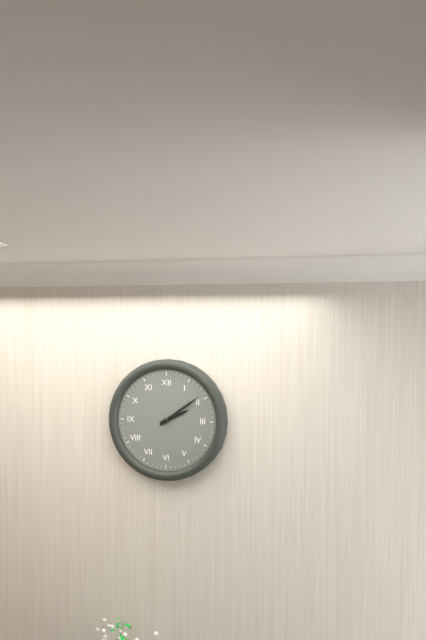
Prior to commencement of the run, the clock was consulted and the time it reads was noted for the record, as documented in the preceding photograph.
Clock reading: 2:09
